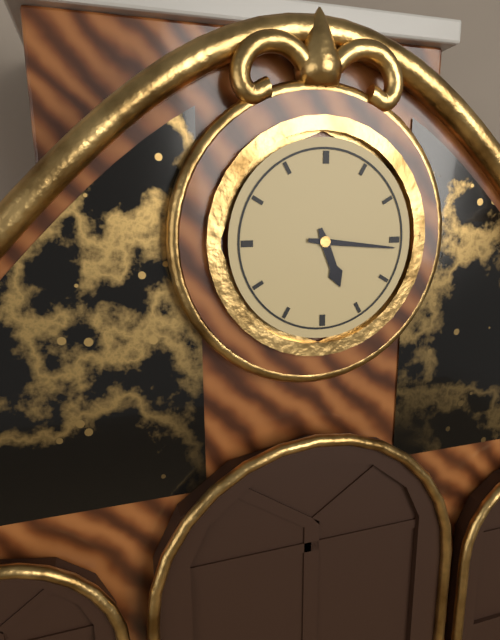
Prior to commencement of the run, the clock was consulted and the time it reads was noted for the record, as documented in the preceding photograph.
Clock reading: 5:16
